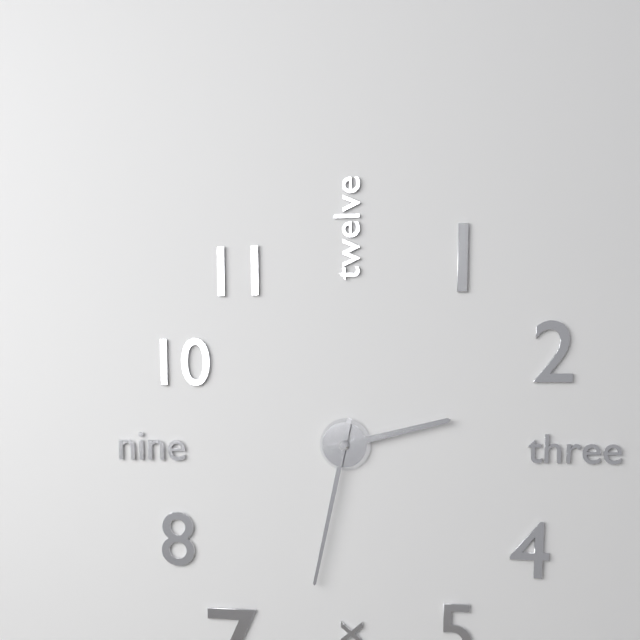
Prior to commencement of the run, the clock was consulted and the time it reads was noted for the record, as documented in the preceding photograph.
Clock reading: 2:32
